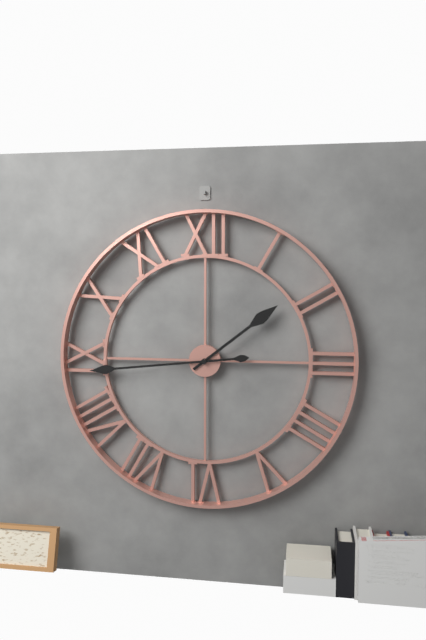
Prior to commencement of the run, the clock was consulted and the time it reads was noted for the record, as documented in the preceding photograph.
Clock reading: 1:44
